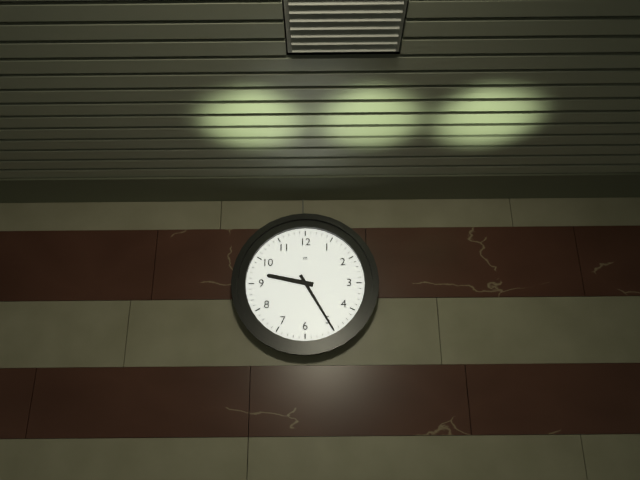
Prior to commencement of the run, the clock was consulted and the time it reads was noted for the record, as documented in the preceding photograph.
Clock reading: 9:25
